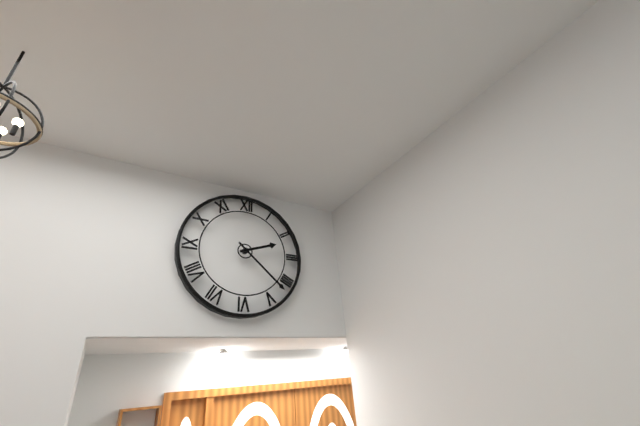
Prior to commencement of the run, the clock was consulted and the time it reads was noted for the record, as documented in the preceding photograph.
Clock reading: 2:22
